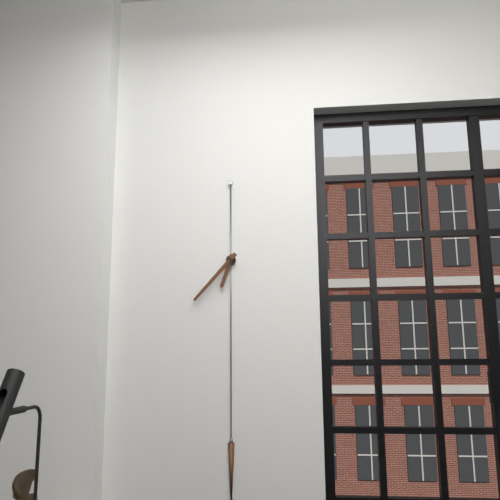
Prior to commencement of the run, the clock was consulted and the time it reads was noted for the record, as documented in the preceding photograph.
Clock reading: 6:37
